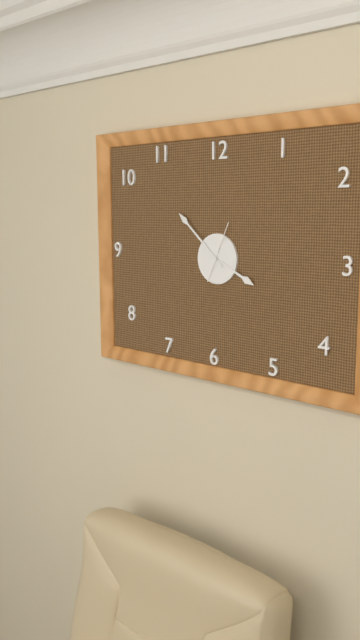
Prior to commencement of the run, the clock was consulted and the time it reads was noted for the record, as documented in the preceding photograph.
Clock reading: 3:52
